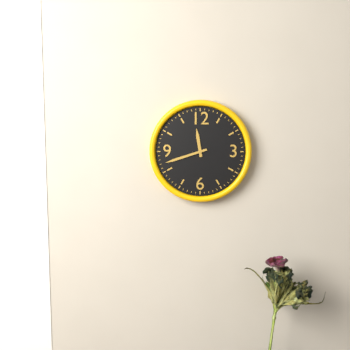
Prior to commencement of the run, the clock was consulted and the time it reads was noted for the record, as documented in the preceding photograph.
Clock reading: 11:42
